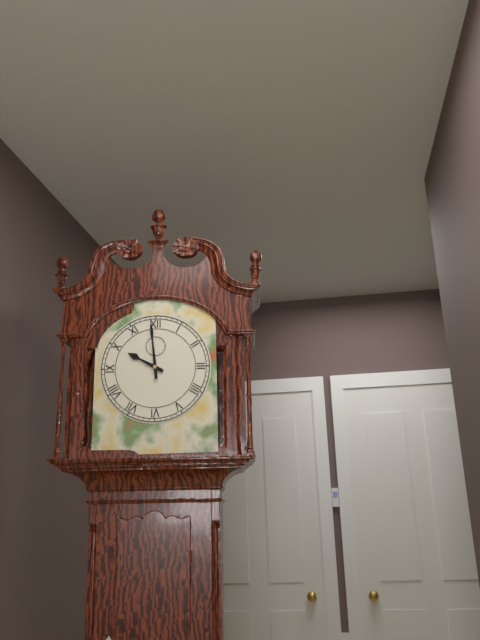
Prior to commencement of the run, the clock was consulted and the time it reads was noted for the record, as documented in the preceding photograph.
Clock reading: 9:59
